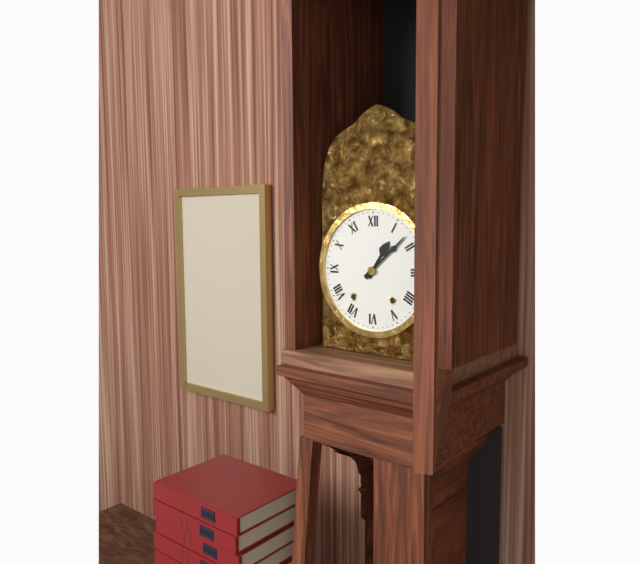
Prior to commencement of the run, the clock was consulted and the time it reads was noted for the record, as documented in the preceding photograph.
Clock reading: 1:08
